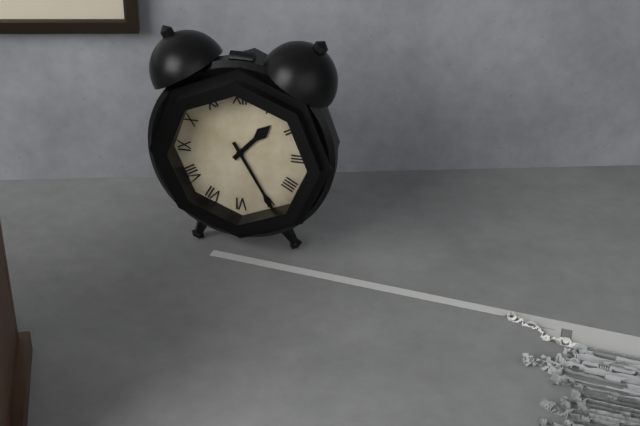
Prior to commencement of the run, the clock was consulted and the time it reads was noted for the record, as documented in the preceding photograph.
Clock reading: 1:25
